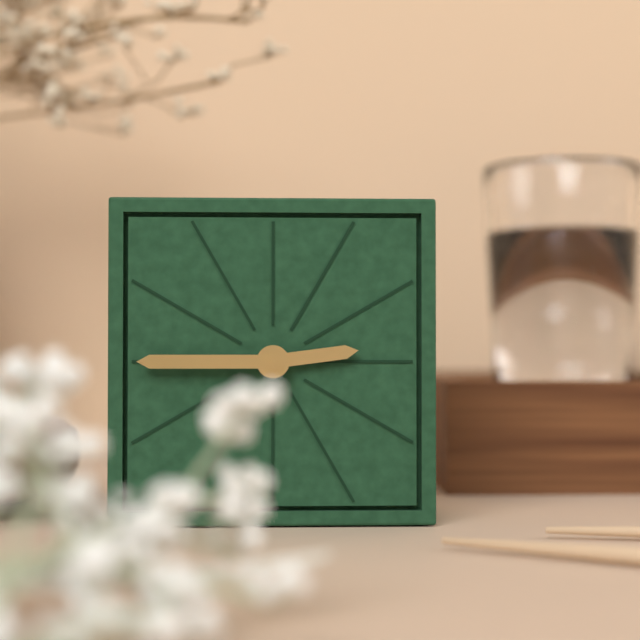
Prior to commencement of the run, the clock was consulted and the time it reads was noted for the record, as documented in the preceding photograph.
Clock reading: 2:45
